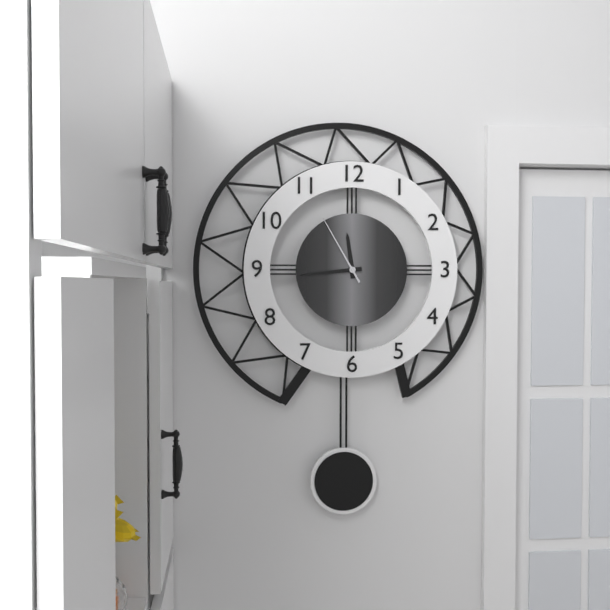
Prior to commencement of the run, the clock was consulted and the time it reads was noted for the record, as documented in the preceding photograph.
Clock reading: 11:44:55
